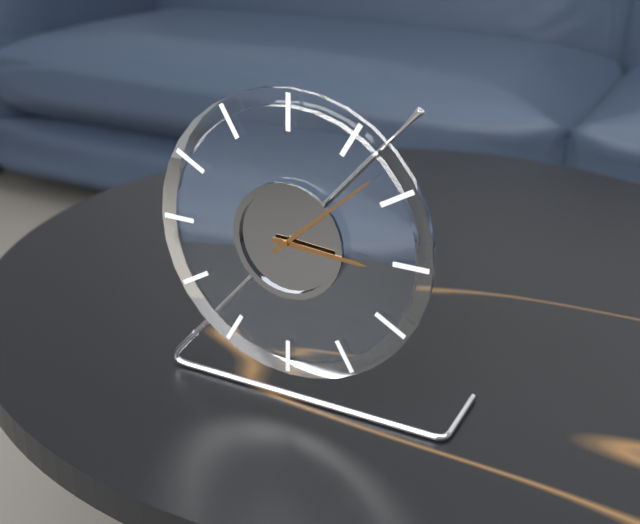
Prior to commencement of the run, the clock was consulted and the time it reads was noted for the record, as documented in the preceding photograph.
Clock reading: 3:08
